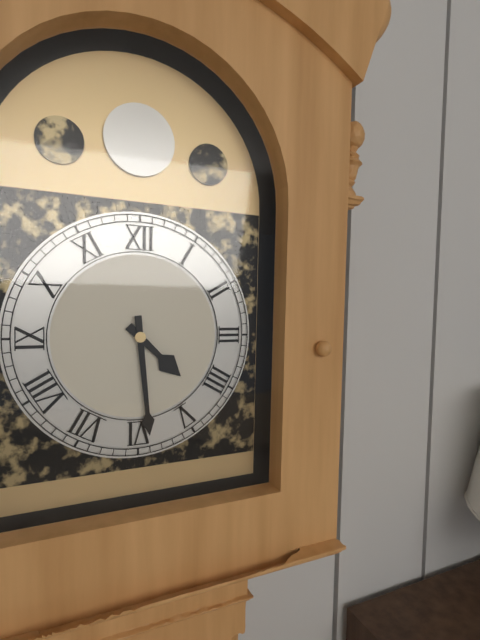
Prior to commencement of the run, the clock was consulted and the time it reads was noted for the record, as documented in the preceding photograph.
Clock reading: 4:29
